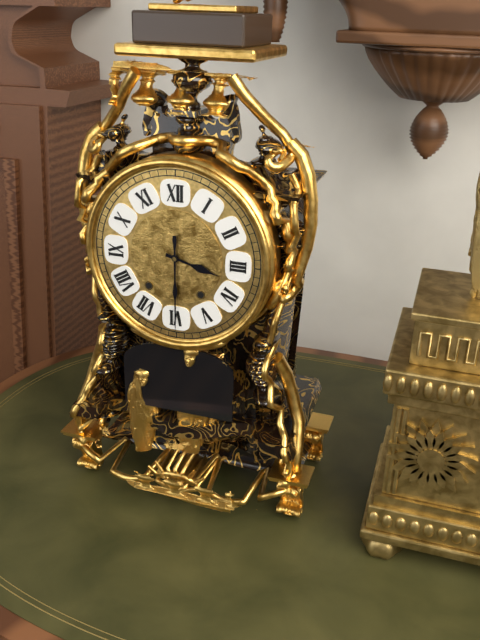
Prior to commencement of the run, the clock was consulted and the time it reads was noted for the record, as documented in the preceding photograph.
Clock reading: 3:30
